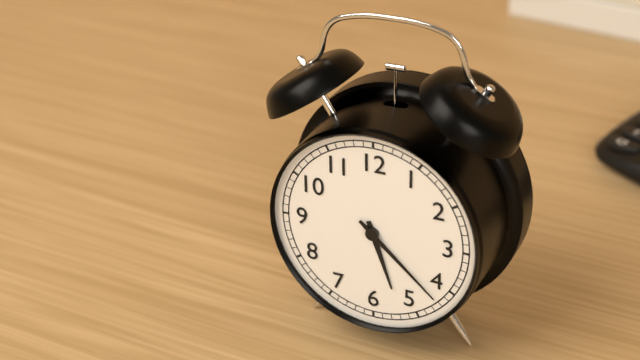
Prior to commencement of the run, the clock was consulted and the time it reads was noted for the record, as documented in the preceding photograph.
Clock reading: 5:22
